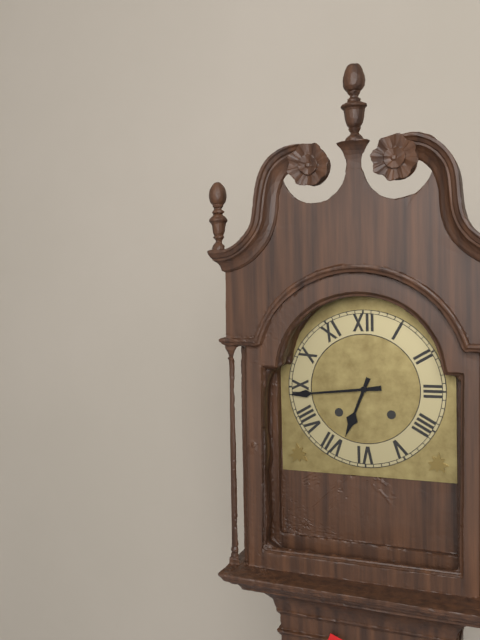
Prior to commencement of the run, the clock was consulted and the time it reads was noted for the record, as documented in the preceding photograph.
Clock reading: 6:44
